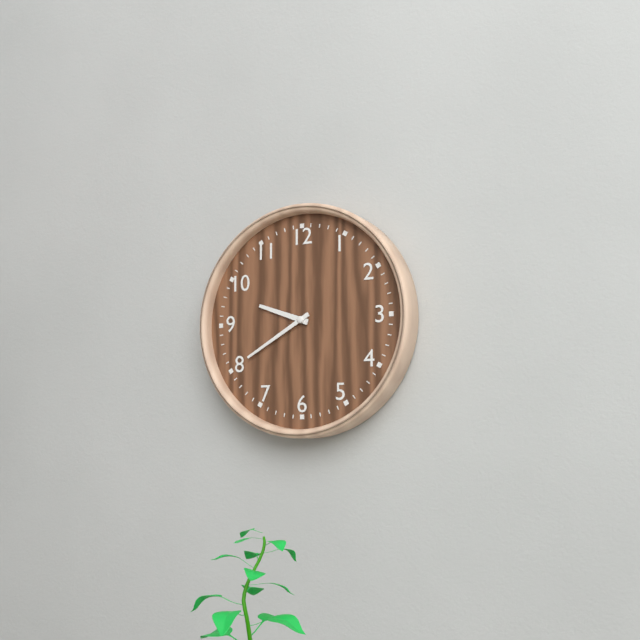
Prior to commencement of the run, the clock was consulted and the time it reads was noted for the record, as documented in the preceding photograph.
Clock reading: 9:40
